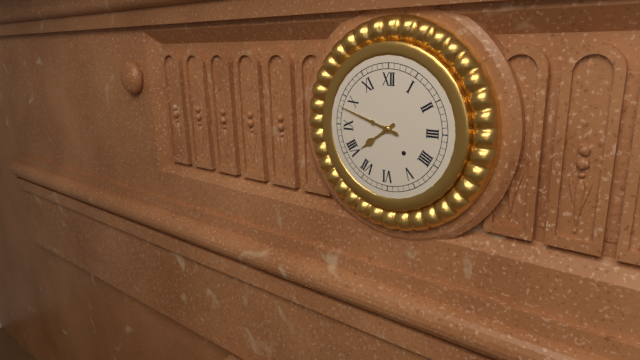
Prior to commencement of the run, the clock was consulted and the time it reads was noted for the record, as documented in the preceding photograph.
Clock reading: 7:48
